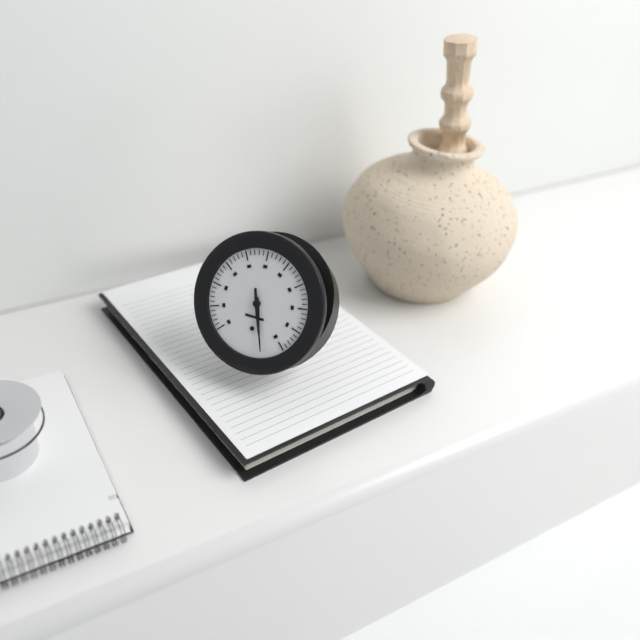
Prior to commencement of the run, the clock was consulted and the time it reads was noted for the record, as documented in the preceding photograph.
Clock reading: 5:27
